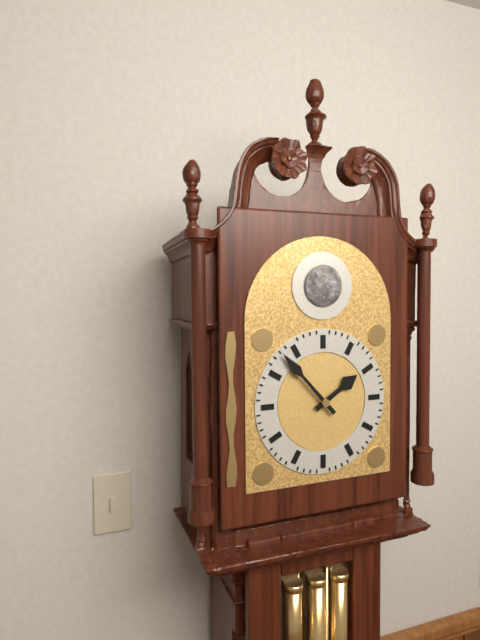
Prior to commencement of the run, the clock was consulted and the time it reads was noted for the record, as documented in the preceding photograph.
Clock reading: 1:53
